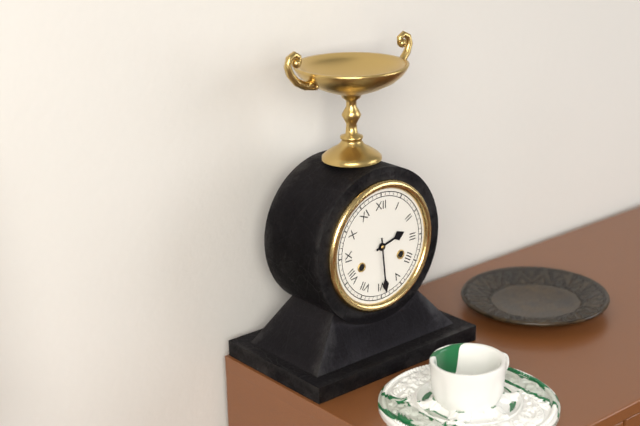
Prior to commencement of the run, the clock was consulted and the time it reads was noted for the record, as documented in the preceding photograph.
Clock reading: 2:29
